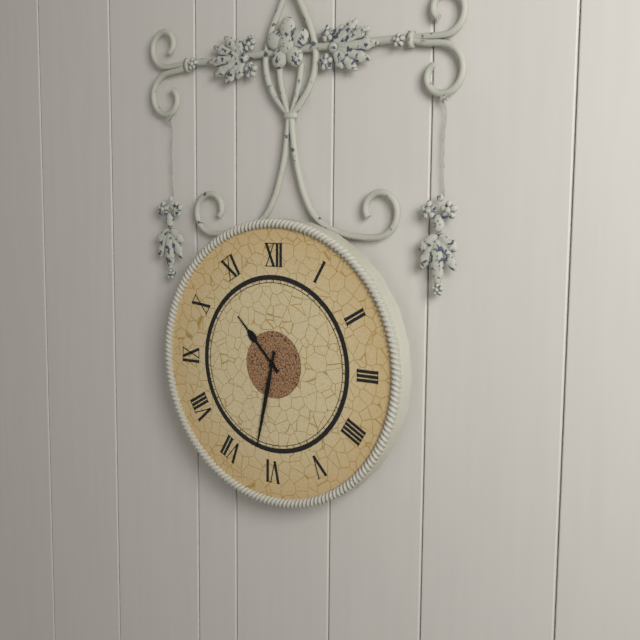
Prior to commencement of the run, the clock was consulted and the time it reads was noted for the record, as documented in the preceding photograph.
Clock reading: 10:32
